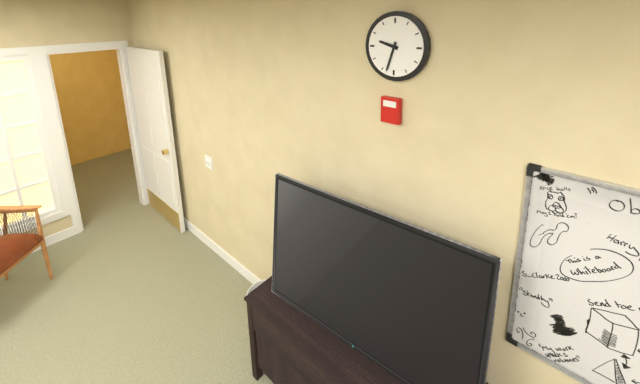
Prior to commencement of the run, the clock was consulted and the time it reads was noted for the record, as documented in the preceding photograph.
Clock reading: 9:33
